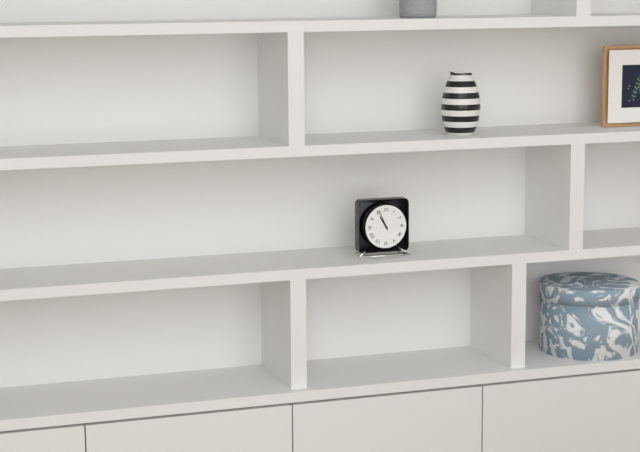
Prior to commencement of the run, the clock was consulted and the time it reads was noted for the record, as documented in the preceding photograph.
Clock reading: 10:56
